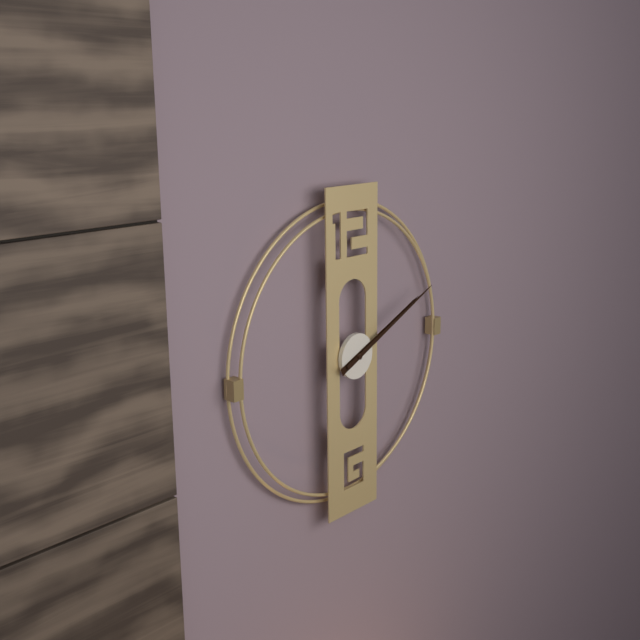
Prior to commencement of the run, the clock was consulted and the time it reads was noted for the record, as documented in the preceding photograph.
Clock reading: 2:11
